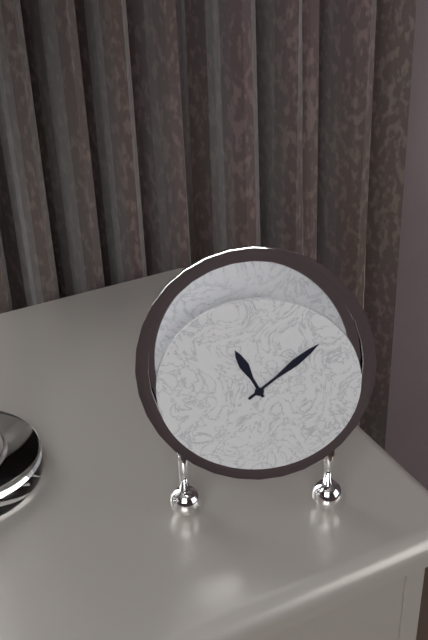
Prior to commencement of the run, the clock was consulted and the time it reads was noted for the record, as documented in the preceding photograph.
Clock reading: 11:08
